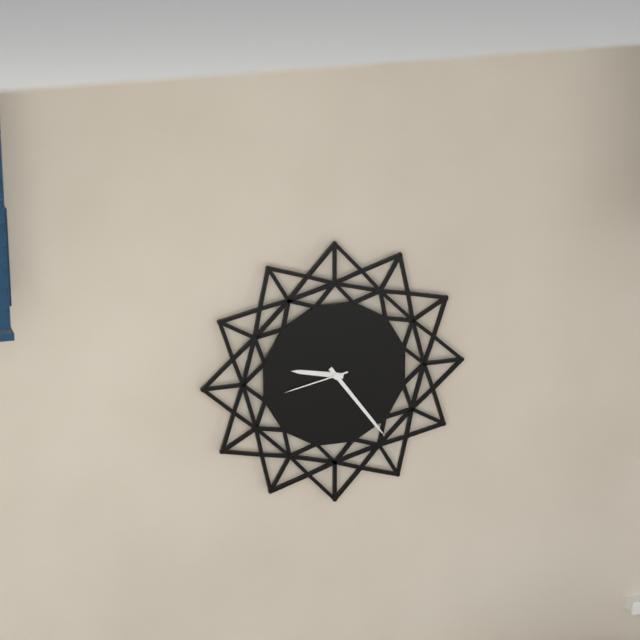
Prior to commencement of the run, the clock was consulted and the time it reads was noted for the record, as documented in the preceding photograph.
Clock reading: 9:24:43
